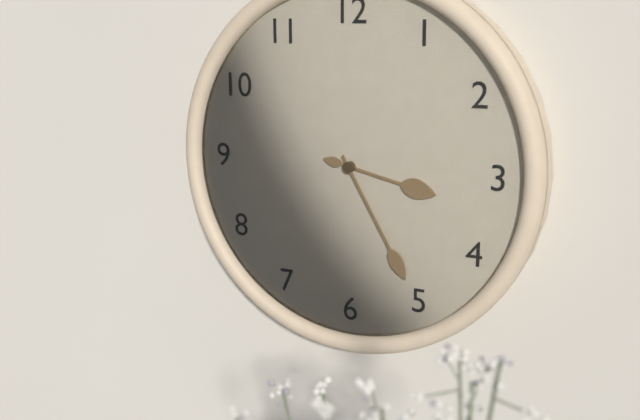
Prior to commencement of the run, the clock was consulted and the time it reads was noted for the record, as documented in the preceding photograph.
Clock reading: 3:25
